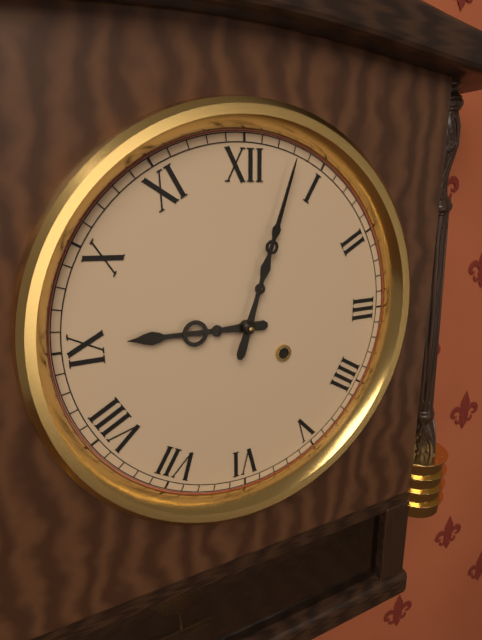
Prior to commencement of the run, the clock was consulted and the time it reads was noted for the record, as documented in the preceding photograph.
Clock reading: 9:03
